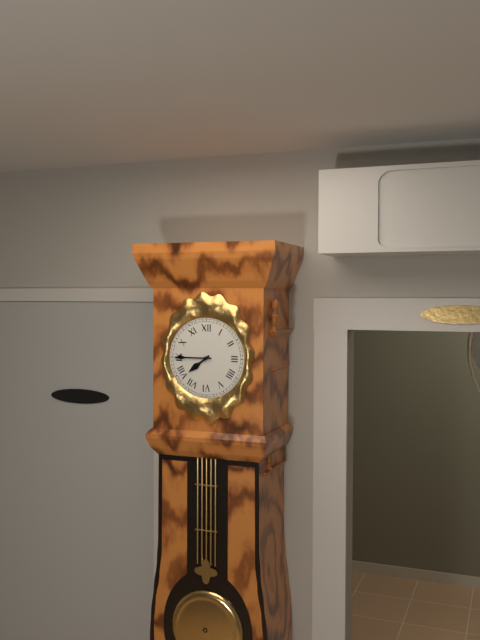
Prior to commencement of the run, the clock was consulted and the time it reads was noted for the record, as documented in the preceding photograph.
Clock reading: 7:45
